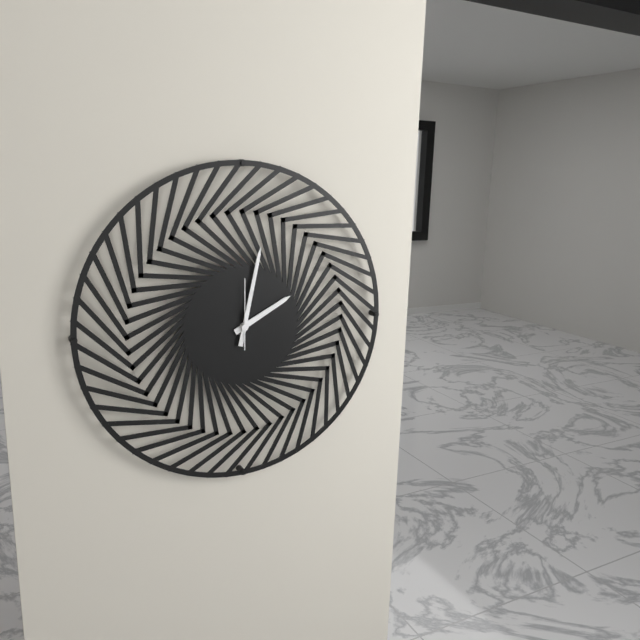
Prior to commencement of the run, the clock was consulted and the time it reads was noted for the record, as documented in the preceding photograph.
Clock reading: 2:02:00
